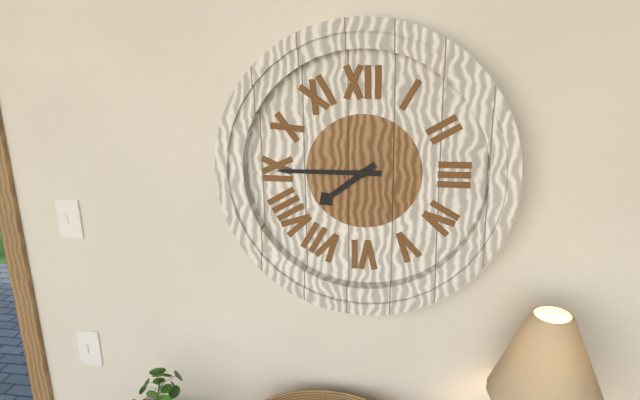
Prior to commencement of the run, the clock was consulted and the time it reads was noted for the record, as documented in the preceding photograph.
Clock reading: 7:45
